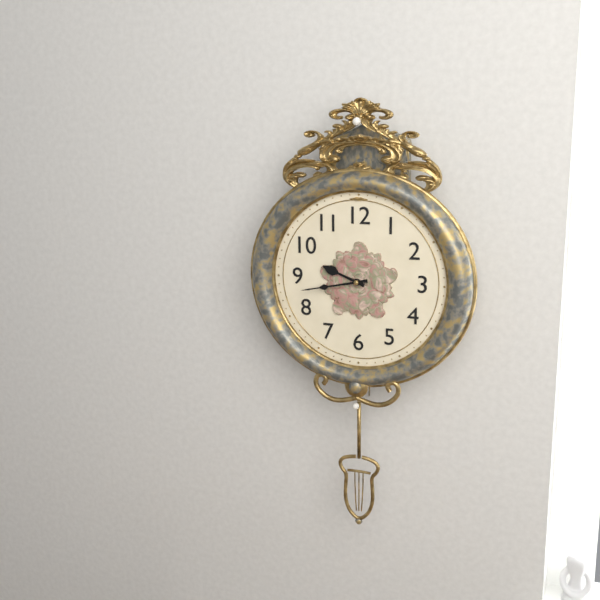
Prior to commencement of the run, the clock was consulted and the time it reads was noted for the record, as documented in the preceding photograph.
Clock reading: 9:43
